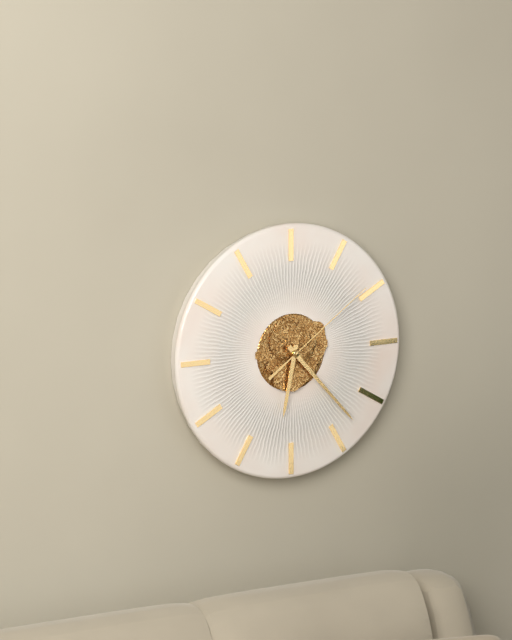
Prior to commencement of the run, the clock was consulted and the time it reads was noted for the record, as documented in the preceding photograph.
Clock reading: 6:23:09
